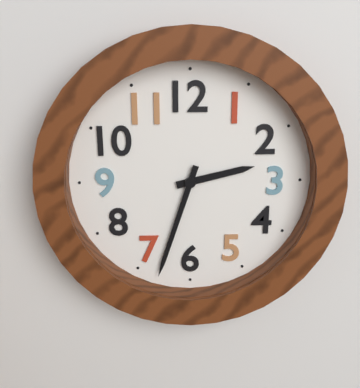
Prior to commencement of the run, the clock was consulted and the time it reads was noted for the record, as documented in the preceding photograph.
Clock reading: 2:33
